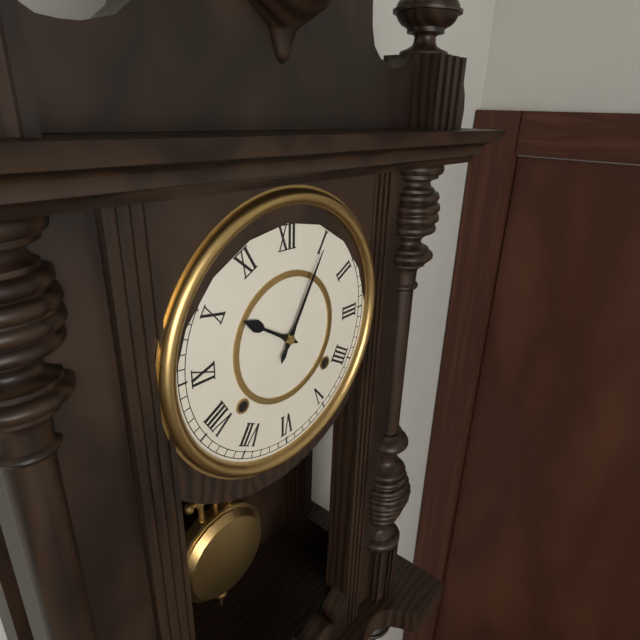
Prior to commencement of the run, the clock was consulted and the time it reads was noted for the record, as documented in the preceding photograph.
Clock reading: 10:05
